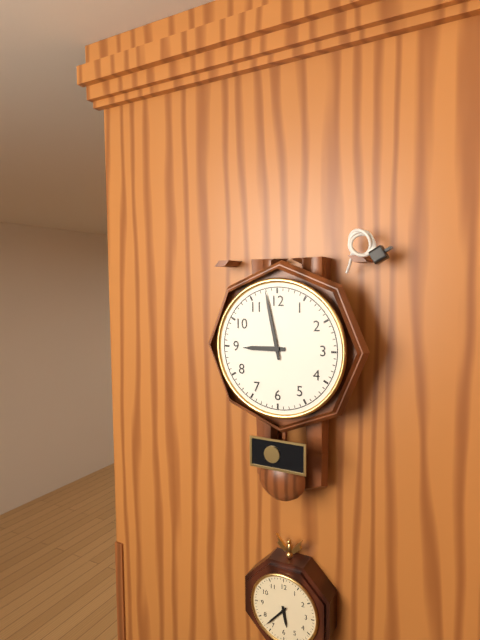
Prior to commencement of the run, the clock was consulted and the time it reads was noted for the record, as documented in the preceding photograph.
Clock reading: 8:58
